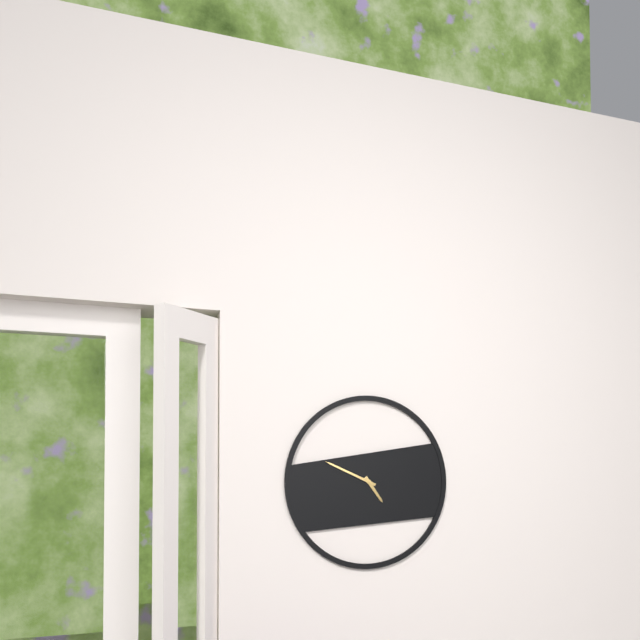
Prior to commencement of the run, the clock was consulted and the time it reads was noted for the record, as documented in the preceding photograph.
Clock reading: 4:49
